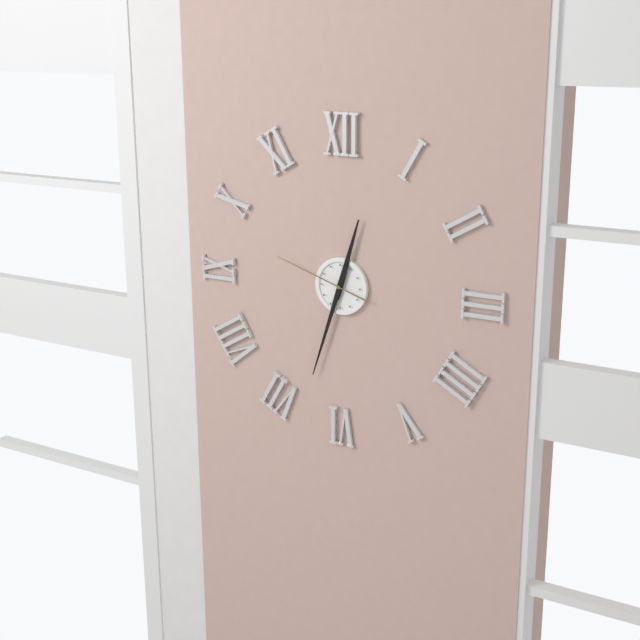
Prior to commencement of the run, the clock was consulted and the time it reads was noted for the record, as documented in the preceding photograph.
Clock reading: 12:33:48
